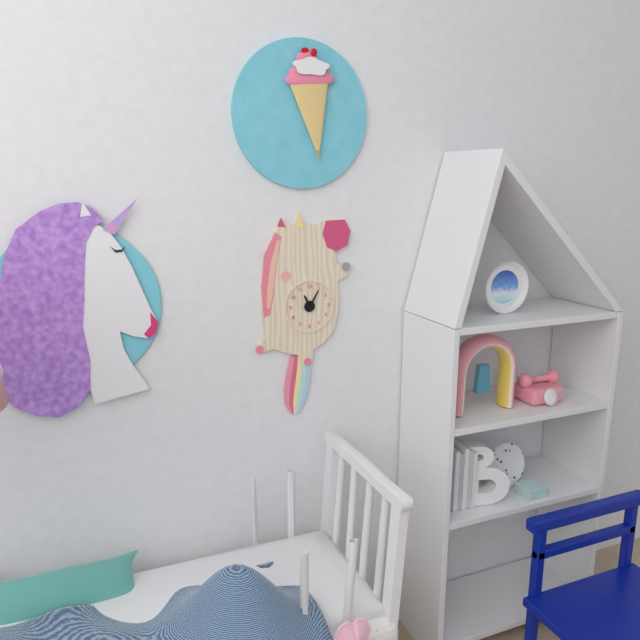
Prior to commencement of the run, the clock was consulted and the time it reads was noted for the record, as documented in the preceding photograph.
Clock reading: 11:05
